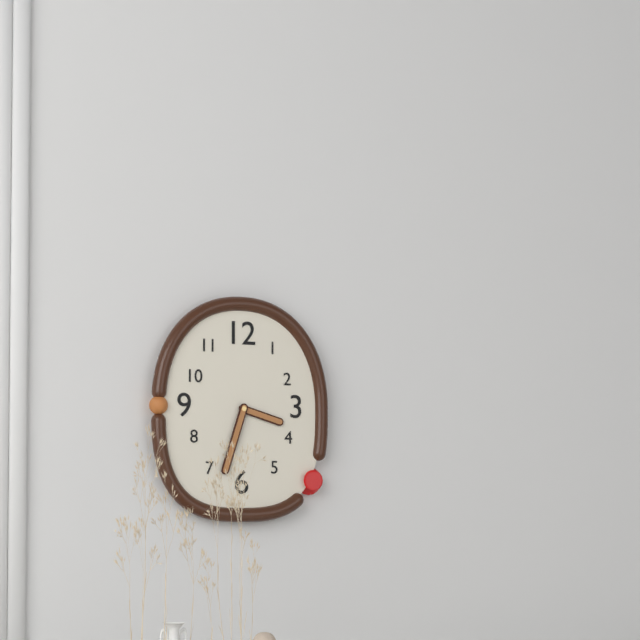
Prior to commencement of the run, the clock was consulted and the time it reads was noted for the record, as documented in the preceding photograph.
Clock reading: 3:33
